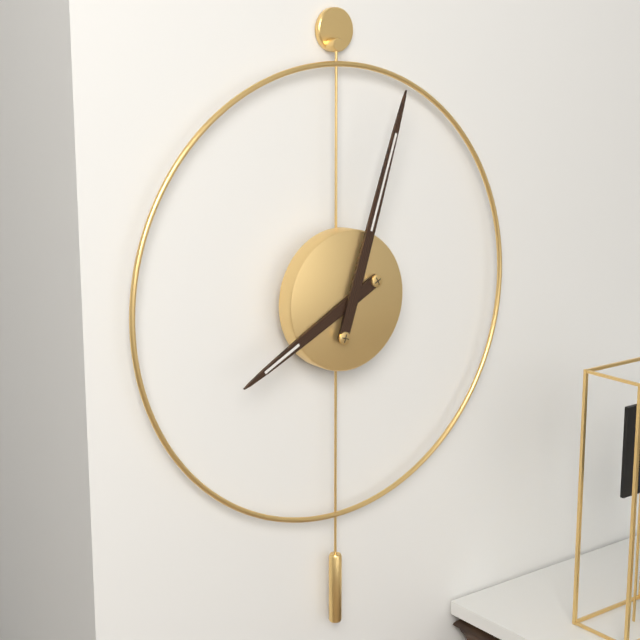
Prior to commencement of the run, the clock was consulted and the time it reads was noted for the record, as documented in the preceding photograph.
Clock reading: 8:03
